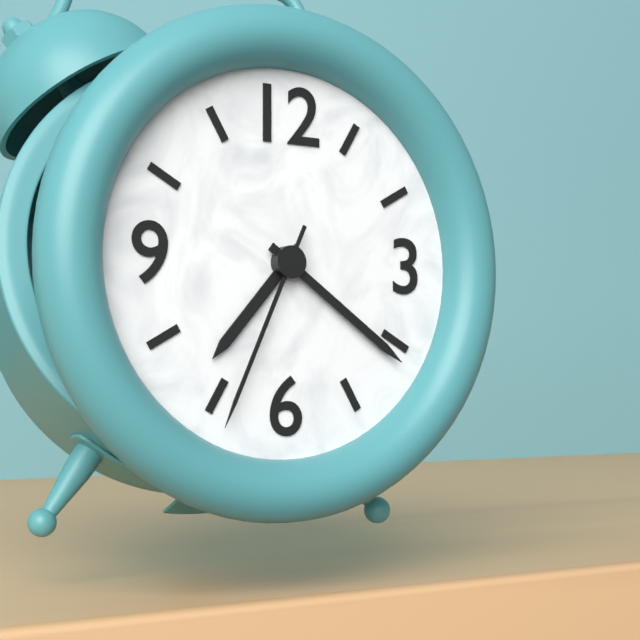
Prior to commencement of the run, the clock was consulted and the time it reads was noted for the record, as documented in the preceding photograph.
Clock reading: 7:21:34
